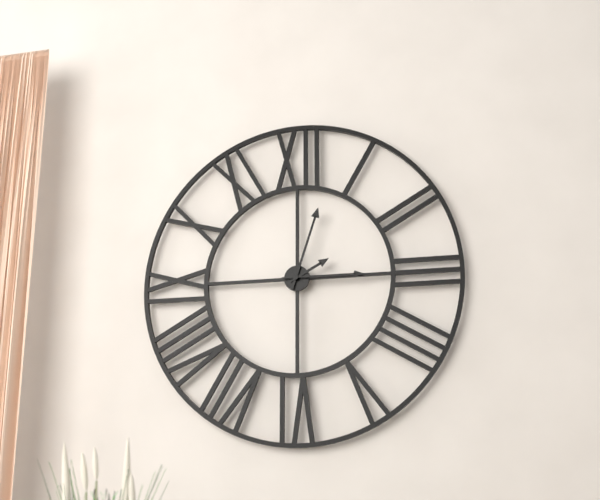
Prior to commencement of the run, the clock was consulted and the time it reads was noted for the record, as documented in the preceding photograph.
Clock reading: 2:03:15
